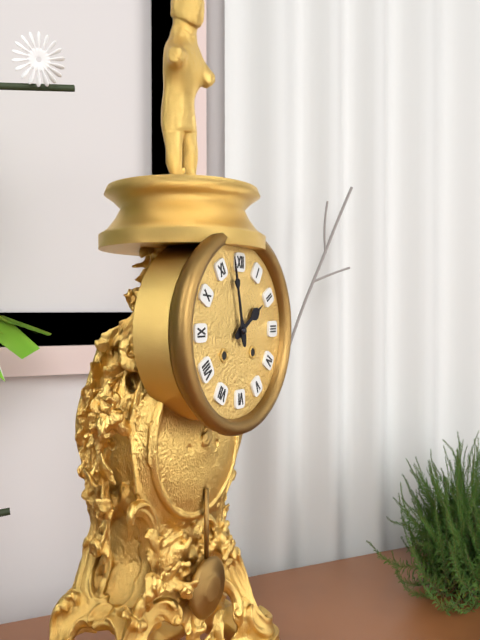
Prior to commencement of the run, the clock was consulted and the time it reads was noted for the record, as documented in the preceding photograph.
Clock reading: 1:58
